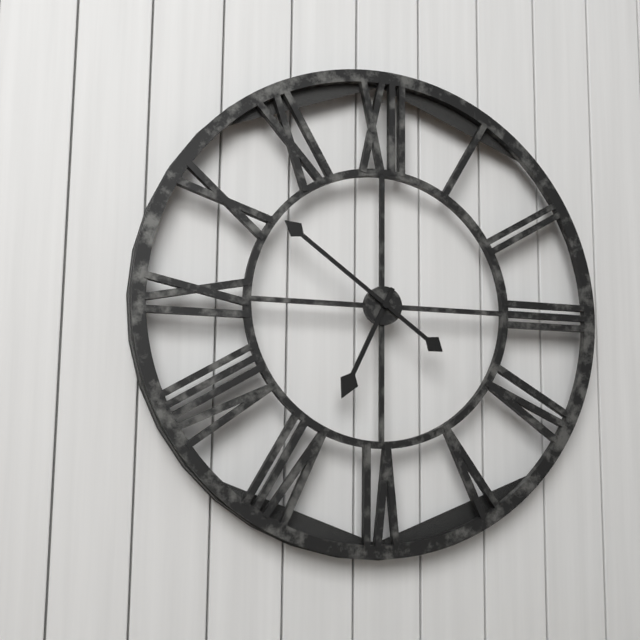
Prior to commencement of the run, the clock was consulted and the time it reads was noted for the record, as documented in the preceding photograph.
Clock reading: 6:51
